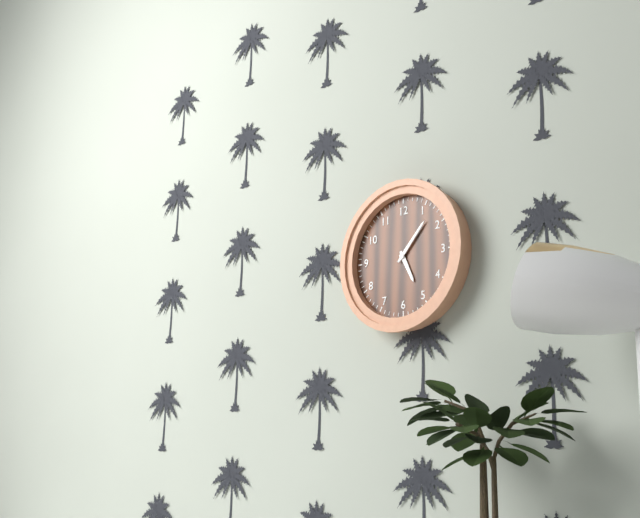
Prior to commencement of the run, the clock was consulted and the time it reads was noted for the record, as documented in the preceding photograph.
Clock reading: 5:07
